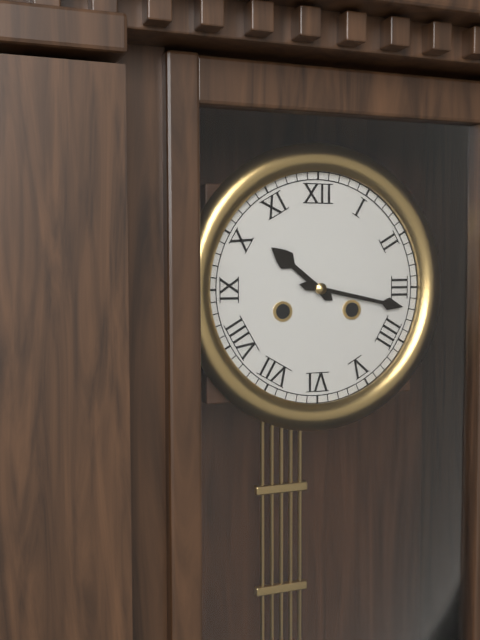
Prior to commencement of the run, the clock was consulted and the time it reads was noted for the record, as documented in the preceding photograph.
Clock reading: 10:17
